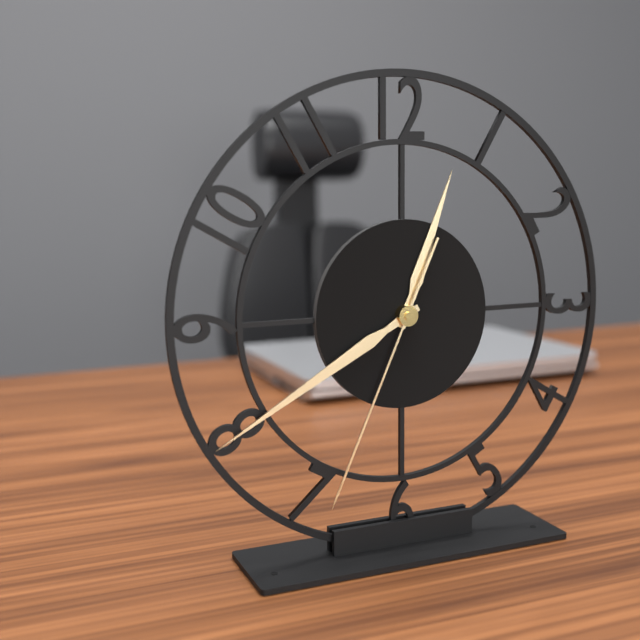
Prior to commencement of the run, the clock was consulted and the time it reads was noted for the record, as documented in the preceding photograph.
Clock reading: 12:40:34
